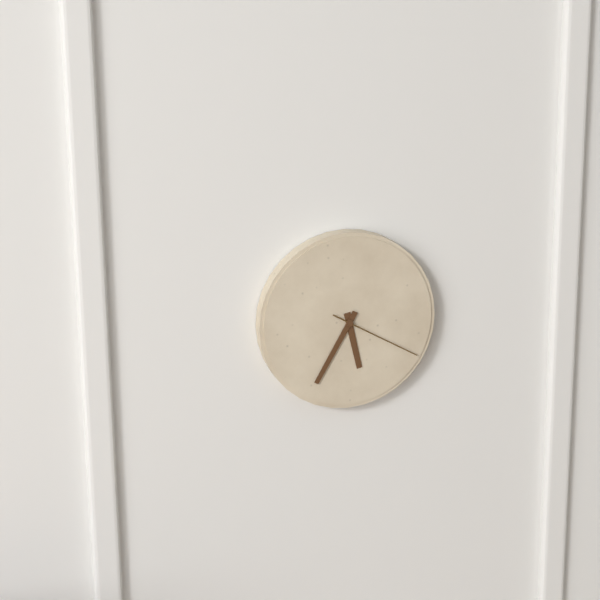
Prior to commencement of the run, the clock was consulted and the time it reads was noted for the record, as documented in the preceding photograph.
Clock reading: 5:35:20
